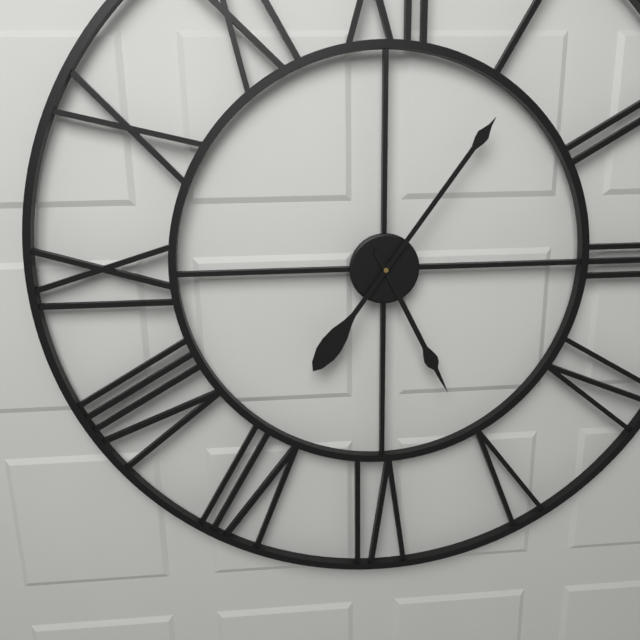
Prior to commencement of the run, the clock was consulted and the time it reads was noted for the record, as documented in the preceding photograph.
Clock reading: 5:06
